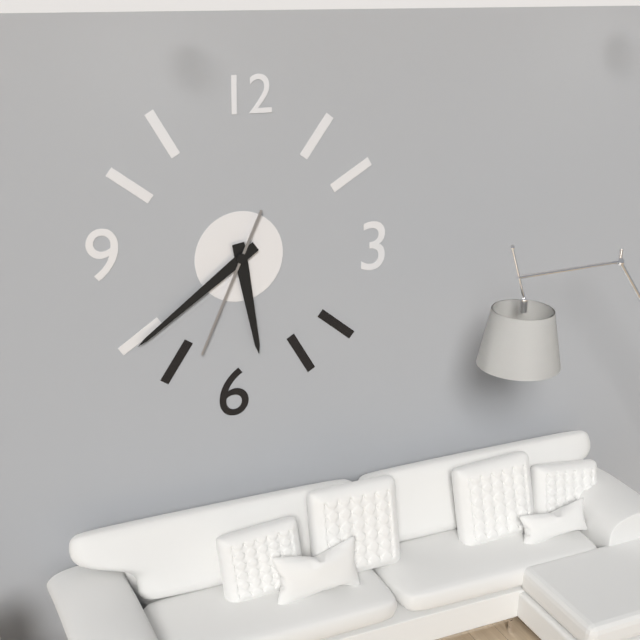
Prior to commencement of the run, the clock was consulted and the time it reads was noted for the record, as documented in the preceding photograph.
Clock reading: 5:39:34
